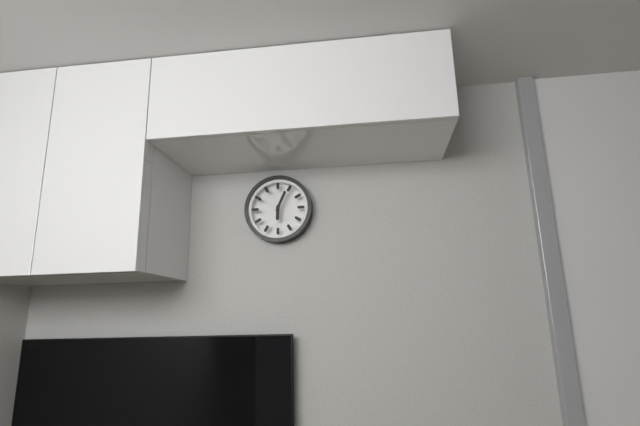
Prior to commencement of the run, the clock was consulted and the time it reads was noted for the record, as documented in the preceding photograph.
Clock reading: 6:04
